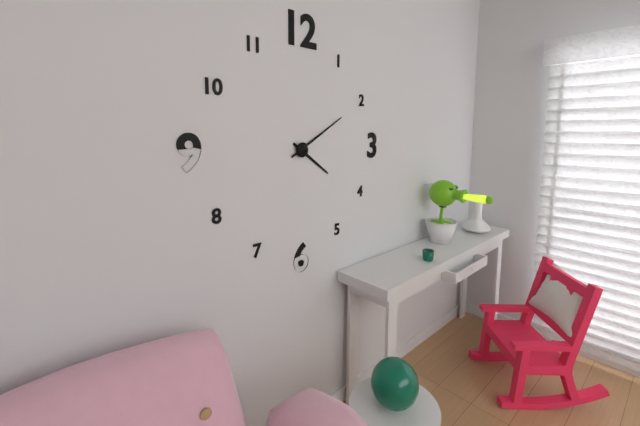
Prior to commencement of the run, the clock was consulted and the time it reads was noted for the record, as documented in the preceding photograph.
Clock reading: 4:10
